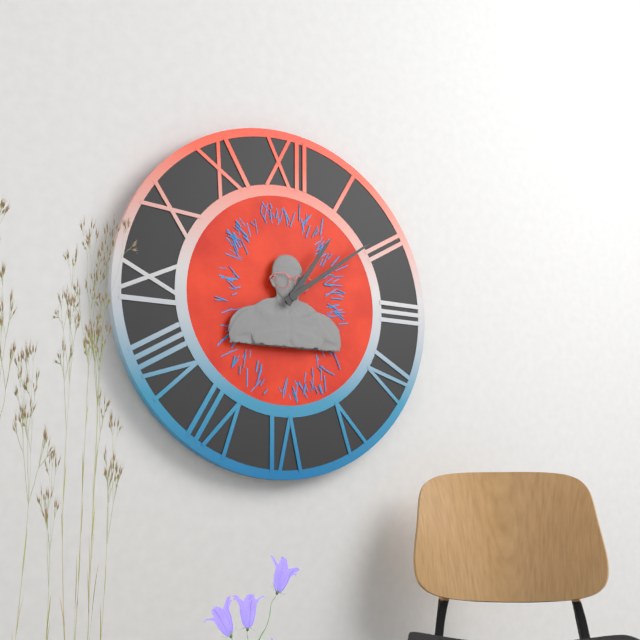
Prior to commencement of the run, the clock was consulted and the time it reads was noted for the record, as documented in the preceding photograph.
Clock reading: 1:09
